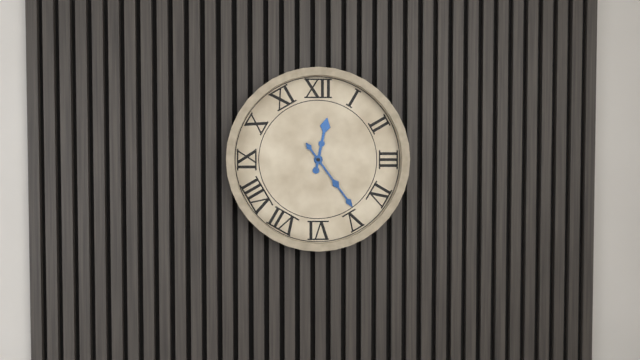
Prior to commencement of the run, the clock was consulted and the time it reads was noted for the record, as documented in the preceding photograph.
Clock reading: 12:24
